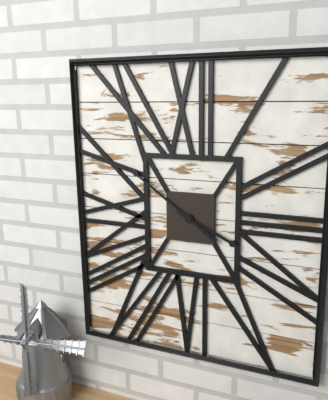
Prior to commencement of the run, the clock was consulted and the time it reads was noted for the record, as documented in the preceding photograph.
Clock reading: 3:51
